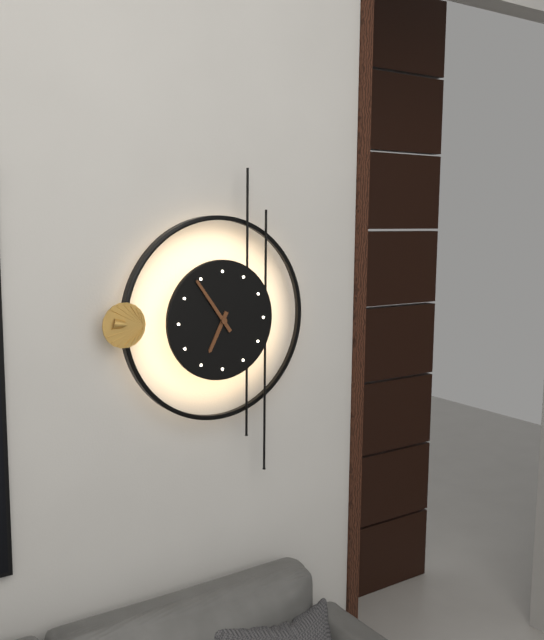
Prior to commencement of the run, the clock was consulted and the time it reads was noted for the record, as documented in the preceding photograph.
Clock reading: 6:54
